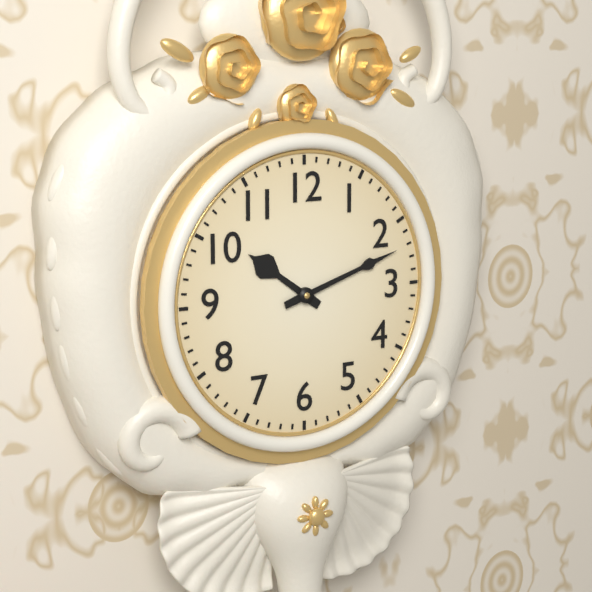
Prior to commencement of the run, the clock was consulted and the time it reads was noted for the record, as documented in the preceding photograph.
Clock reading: 10:12
